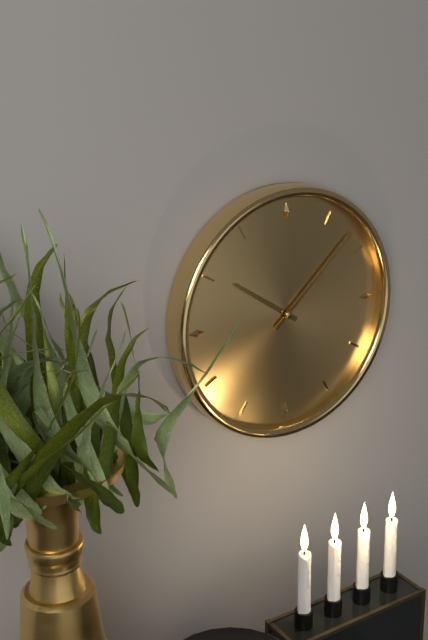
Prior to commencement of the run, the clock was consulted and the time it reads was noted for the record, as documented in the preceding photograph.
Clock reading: 10:08
